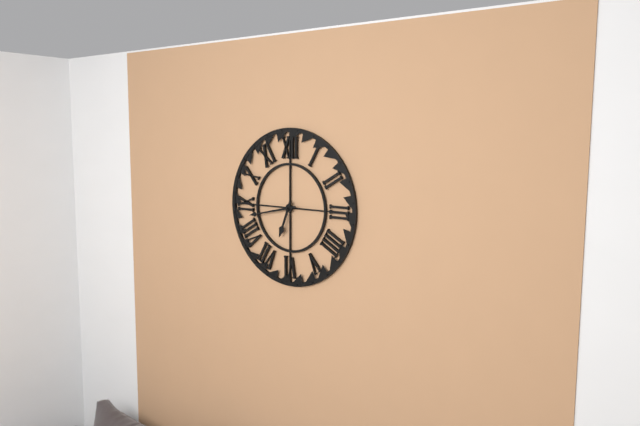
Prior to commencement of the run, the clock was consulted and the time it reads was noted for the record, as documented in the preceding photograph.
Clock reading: 6:43
